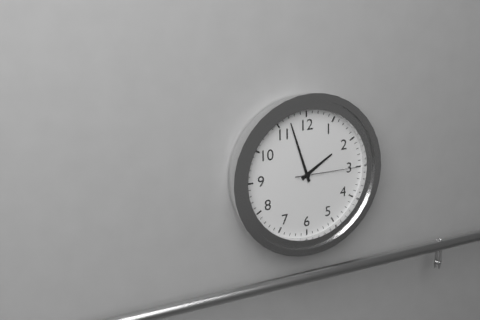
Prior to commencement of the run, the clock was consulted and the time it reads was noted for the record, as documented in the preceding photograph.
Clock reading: 1:57:15
